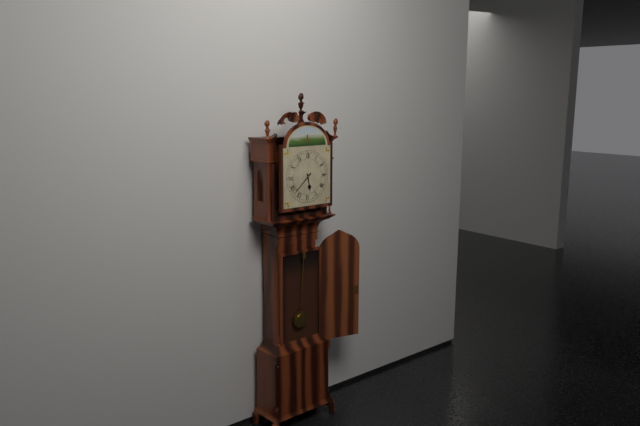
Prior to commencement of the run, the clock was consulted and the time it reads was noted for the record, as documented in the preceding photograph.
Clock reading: 5:38
